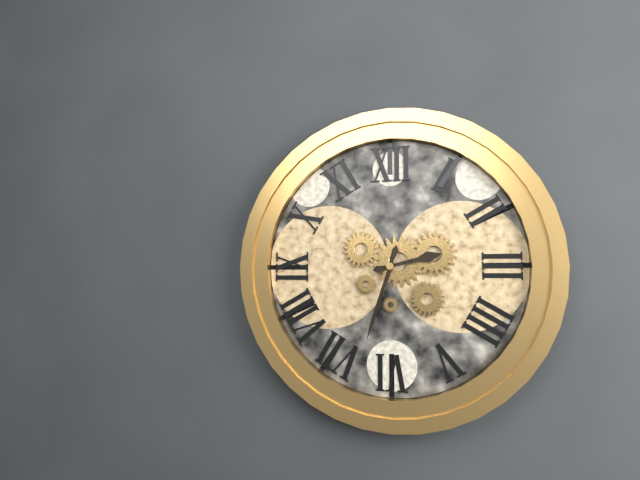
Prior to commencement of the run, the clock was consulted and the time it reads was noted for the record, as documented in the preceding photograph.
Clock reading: 2:33
